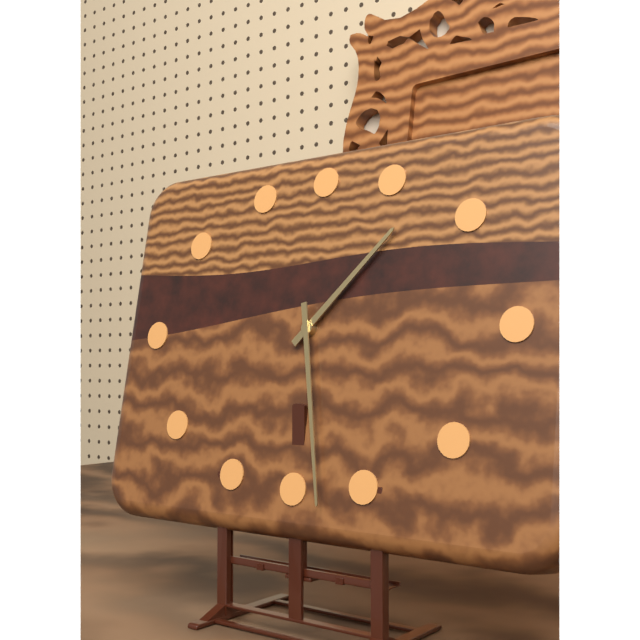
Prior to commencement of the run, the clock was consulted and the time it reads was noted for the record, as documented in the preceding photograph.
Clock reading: 1:28
